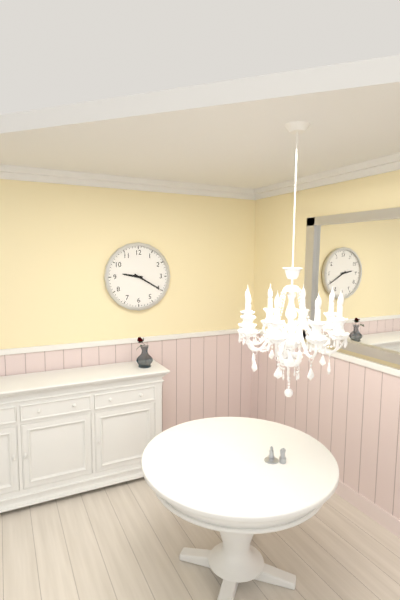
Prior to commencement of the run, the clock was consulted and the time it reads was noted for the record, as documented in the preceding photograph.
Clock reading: 9:20
